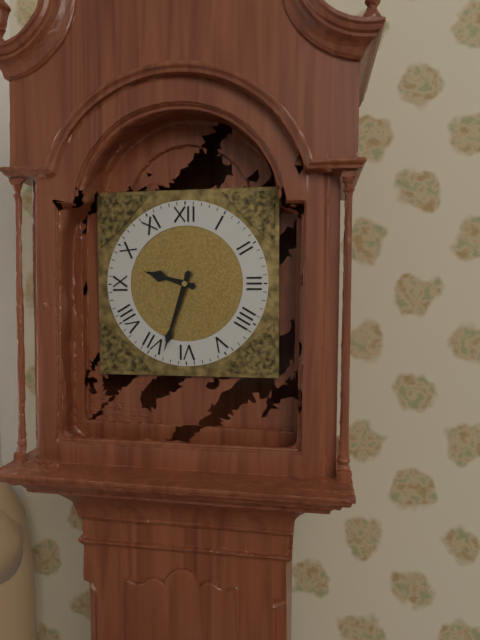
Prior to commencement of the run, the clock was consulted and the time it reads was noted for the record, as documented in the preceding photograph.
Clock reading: 9:33
